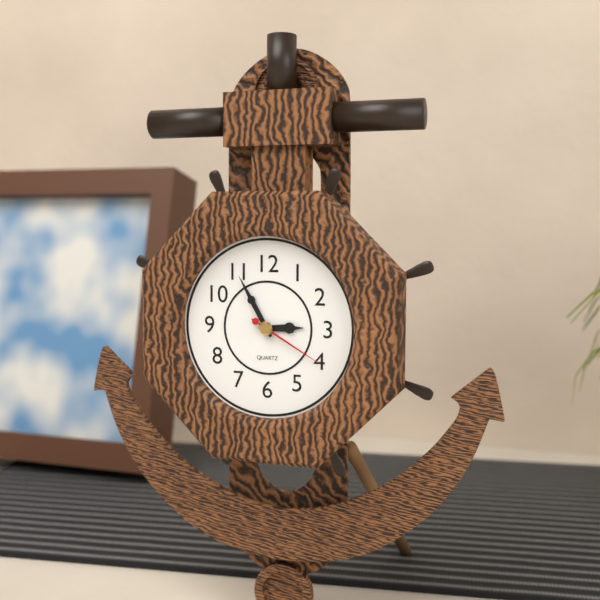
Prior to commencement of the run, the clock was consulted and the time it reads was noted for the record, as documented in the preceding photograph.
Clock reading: 2:55:20
